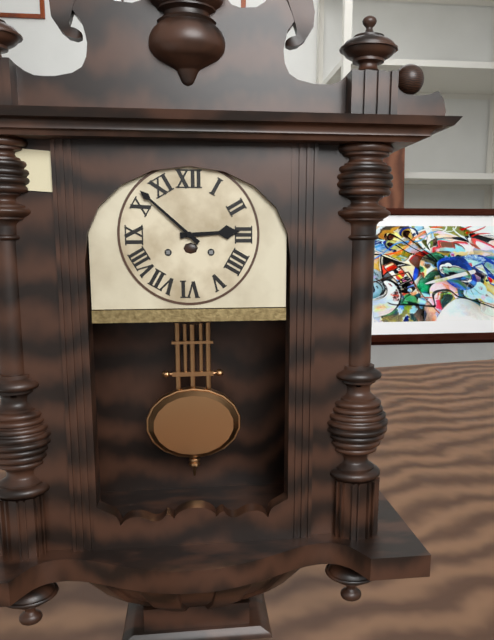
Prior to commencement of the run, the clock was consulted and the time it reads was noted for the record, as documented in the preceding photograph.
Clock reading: 2:52
